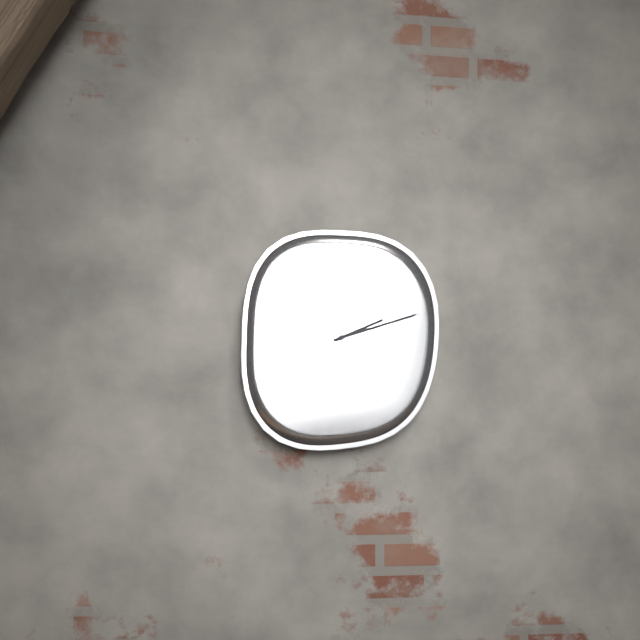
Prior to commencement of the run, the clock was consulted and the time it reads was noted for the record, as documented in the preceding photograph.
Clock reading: 2:12
